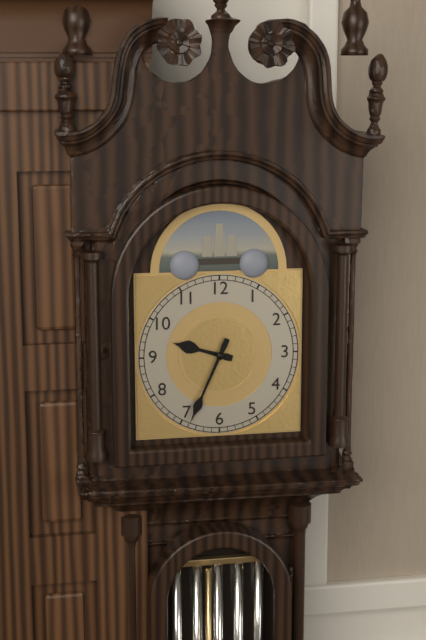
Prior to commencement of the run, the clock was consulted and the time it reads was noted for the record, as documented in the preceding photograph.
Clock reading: 9:34
